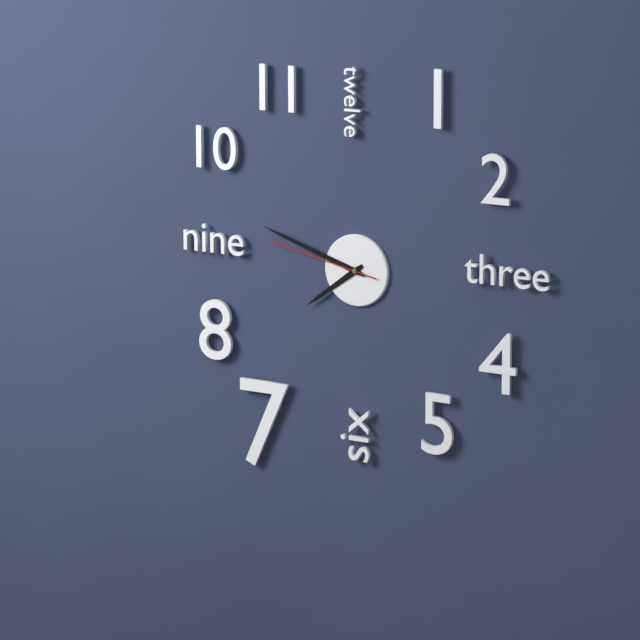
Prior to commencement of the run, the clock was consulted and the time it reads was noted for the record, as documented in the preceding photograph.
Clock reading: 7:48:47
